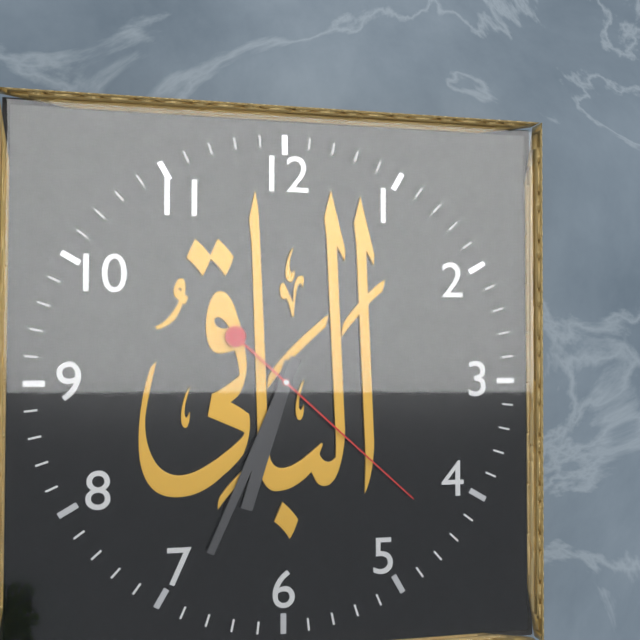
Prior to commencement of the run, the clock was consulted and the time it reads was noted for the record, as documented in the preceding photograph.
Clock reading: 6:34:22
